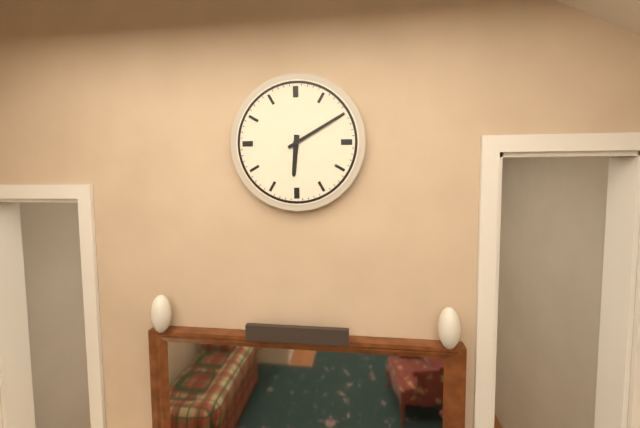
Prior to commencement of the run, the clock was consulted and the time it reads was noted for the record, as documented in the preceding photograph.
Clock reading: 6:10
